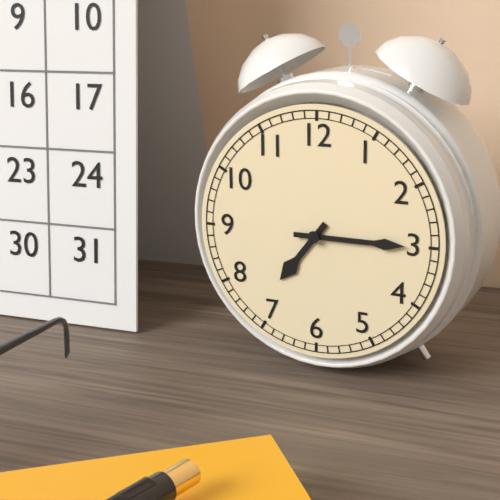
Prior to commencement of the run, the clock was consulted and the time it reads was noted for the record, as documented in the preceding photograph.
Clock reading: 7:15
